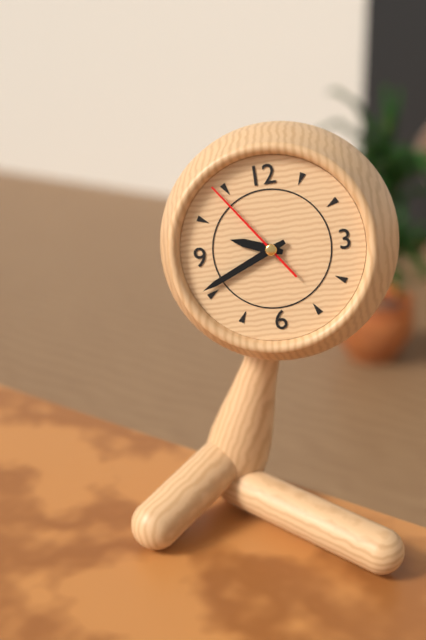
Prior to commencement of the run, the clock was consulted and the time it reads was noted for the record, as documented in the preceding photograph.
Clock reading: 9:41:54
